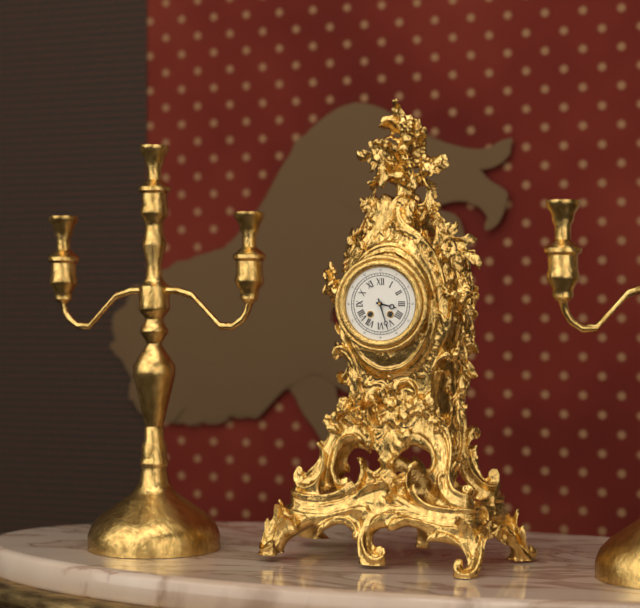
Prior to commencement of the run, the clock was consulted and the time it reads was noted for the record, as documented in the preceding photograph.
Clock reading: 3:27
